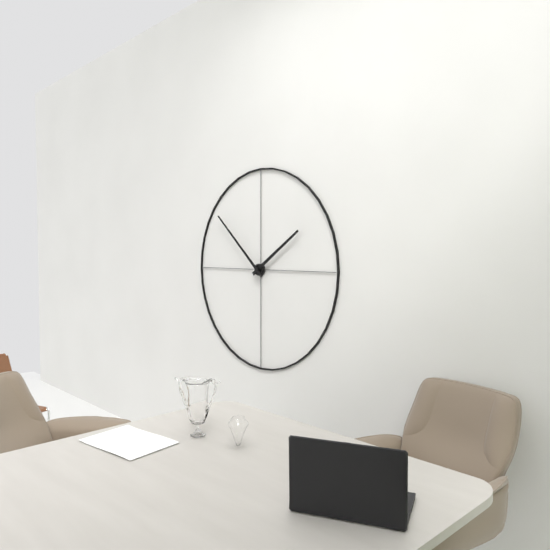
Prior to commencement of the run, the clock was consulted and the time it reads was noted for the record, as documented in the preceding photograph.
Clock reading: 1:52
